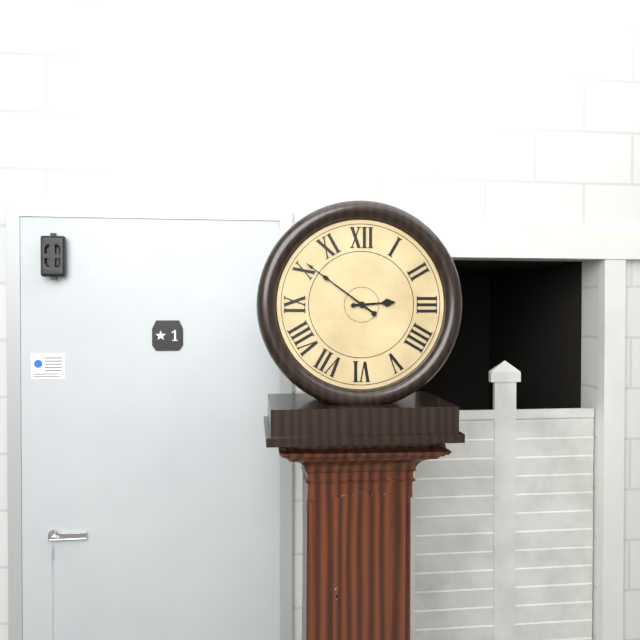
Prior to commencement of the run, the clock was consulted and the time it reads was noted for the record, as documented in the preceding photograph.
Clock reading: 2:51
